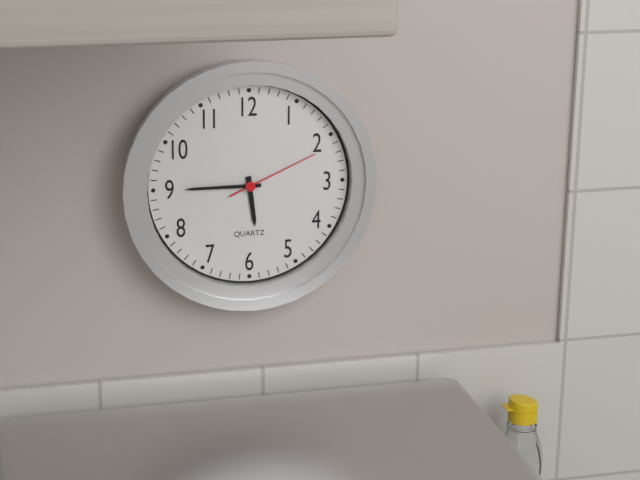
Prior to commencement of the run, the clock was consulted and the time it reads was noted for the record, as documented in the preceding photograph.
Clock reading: 5:45:11
